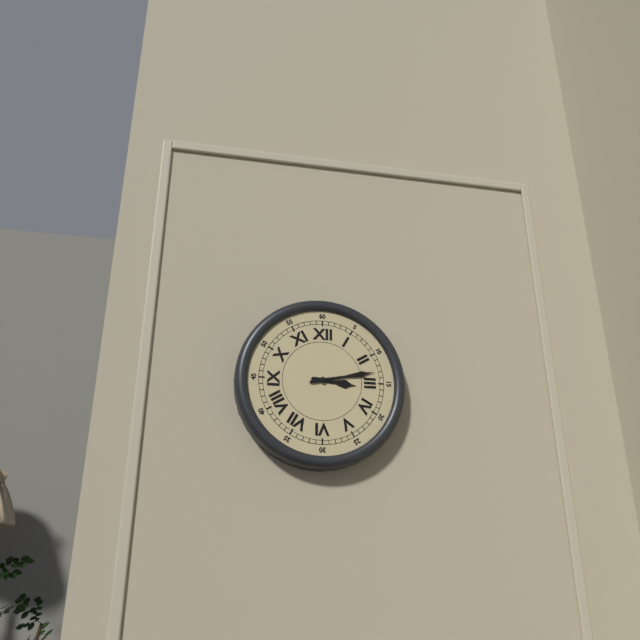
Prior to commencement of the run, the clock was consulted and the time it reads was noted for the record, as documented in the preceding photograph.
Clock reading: 3:13
